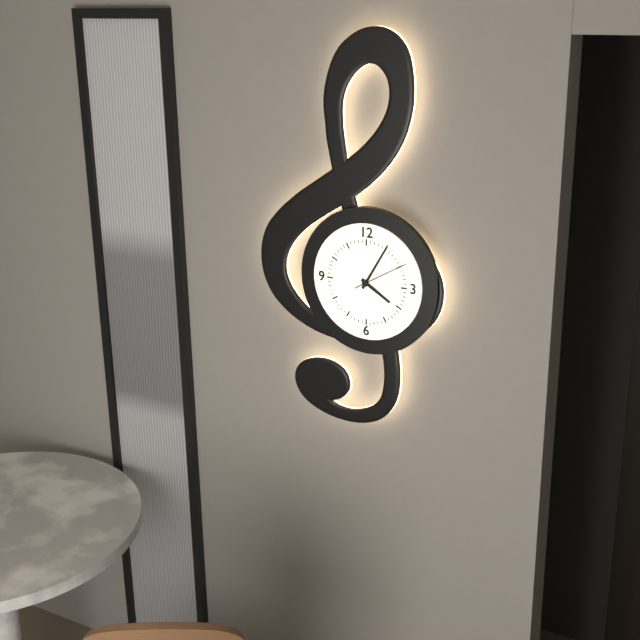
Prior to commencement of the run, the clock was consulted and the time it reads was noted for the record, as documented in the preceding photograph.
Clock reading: 4:05:10
